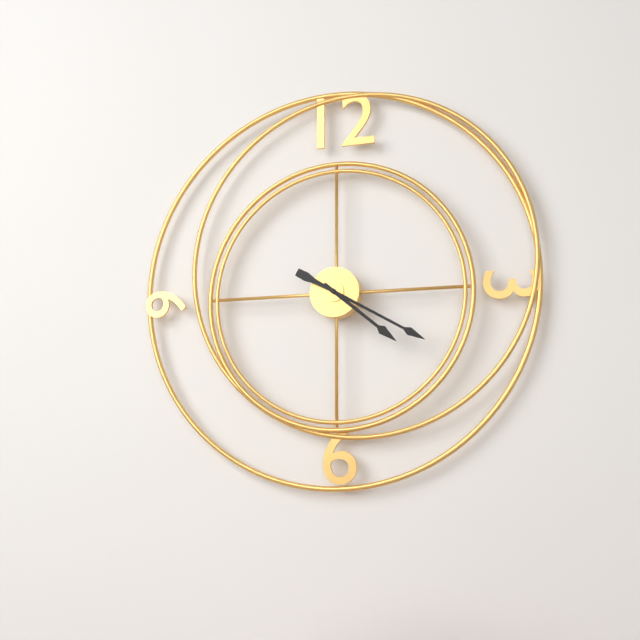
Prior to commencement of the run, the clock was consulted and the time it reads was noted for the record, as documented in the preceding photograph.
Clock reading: 4:20
